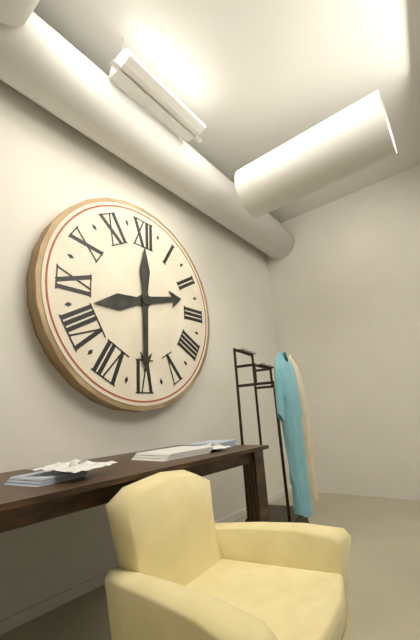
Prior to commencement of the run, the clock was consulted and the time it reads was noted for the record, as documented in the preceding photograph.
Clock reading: 2:30
